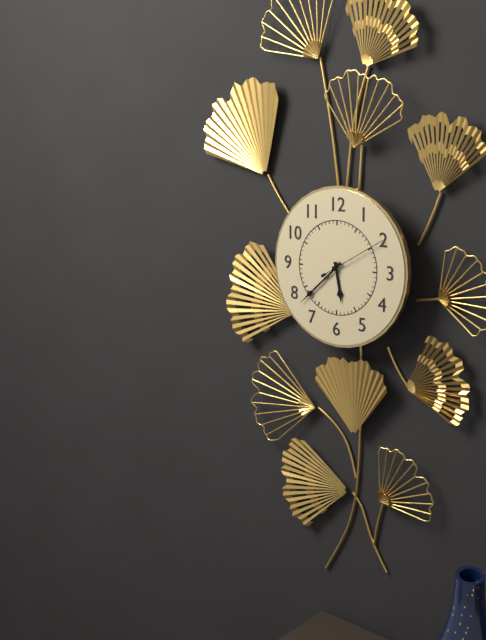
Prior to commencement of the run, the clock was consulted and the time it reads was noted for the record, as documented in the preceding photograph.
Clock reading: 5:38:10
